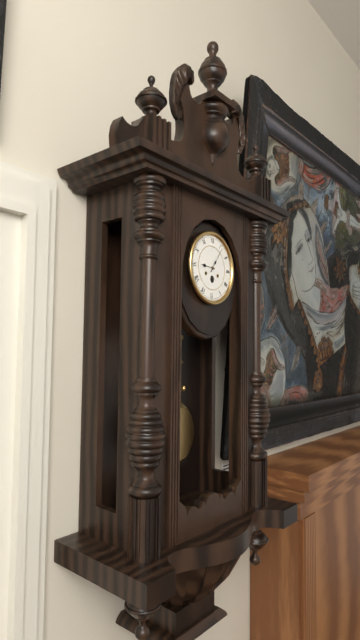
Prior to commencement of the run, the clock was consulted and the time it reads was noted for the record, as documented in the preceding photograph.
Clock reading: 9:06
